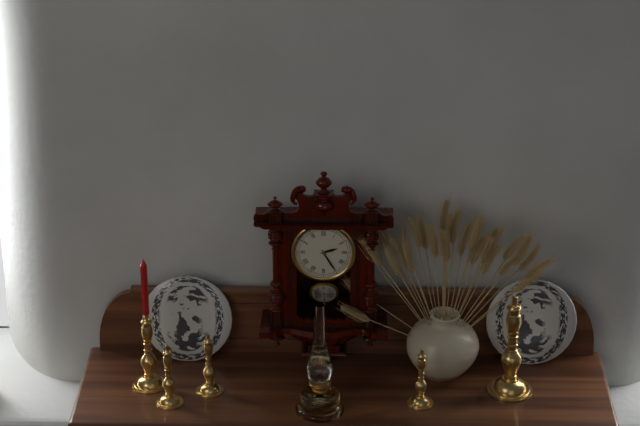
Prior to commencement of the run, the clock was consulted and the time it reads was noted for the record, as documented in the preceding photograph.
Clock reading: 2:25
